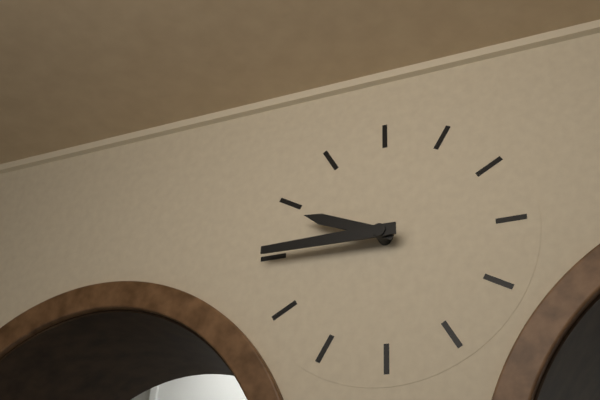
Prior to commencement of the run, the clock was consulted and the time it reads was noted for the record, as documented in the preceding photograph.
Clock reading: 9:45
